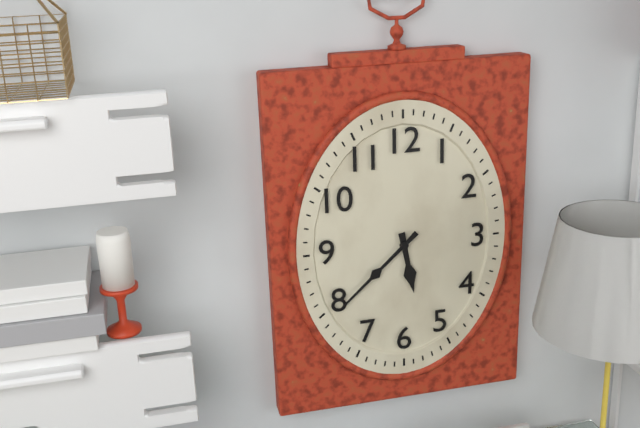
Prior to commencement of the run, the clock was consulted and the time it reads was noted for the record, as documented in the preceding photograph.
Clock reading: 5:38
